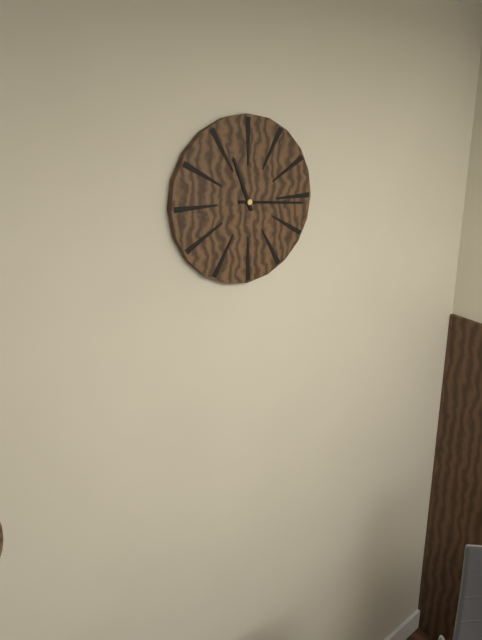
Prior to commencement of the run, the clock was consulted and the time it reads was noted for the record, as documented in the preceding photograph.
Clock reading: 11:16
